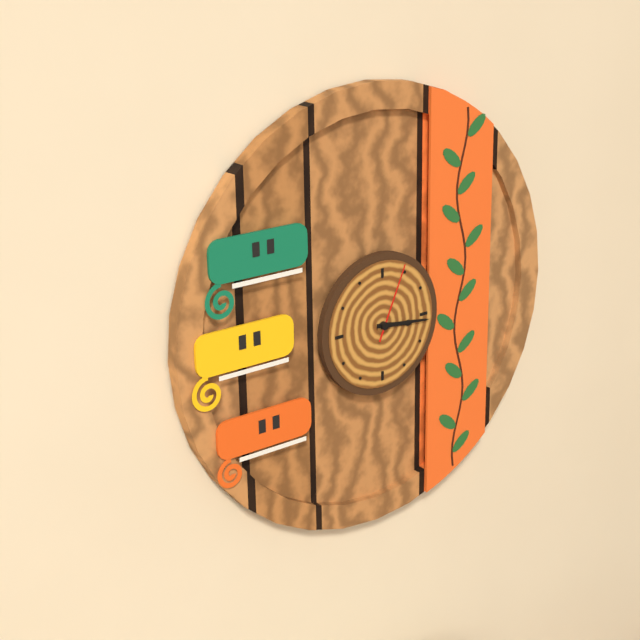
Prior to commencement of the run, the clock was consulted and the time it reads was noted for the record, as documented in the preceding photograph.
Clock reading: 3:16:04
